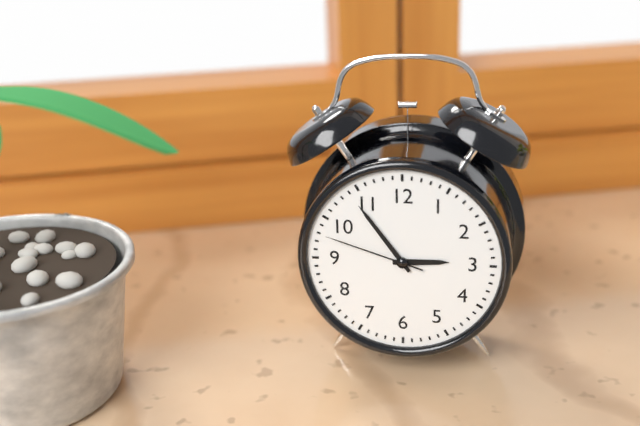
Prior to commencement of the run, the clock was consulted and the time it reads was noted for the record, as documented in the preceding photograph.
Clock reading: 2:54:48
